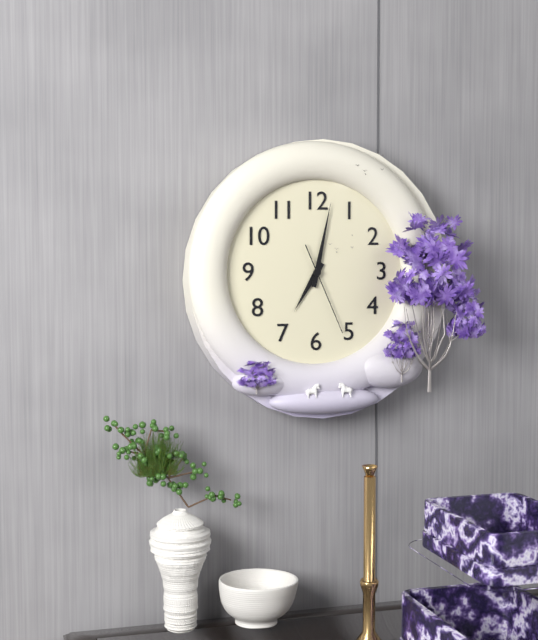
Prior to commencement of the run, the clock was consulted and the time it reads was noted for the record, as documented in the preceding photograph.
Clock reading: 7:02:26
